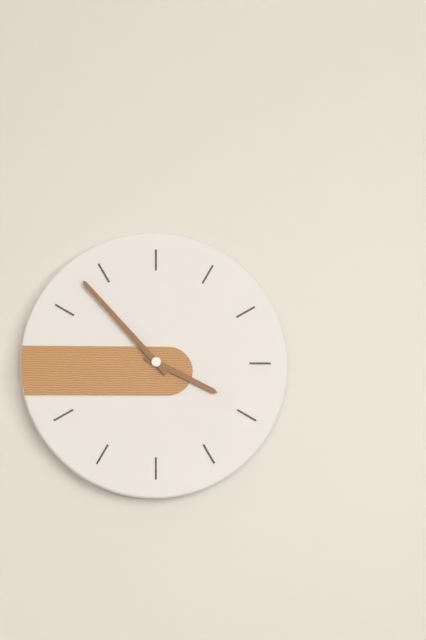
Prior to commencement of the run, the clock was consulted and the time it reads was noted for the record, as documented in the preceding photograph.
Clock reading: 3:53
